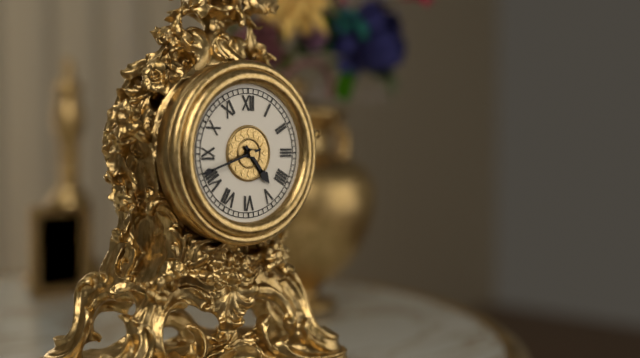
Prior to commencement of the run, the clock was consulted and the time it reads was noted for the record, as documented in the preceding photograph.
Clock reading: 4:42
